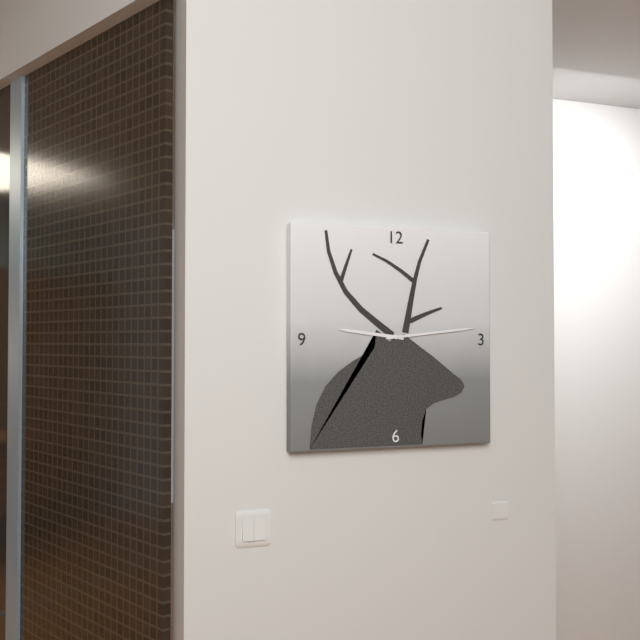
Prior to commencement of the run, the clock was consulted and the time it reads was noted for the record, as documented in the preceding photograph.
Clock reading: 9:14
